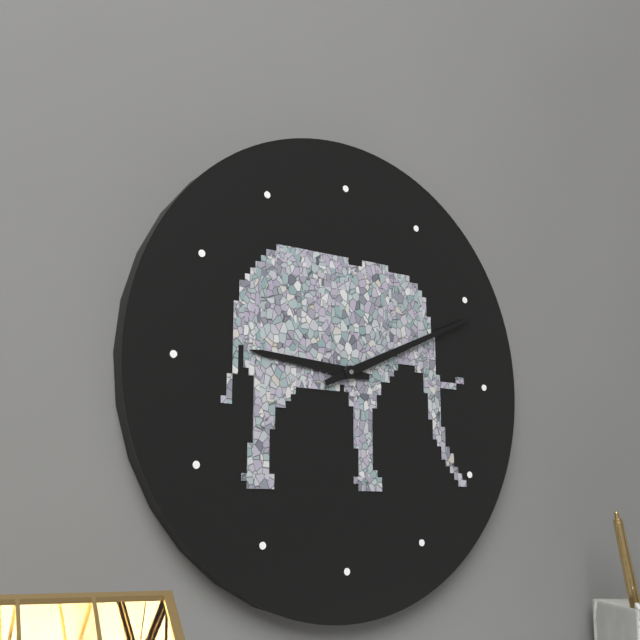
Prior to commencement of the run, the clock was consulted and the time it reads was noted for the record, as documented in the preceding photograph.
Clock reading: 9:11
